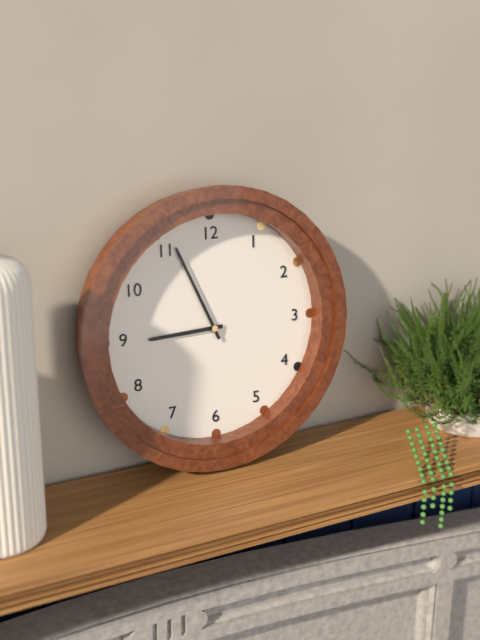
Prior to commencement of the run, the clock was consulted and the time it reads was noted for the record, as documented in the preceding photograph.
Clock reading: 8:56
